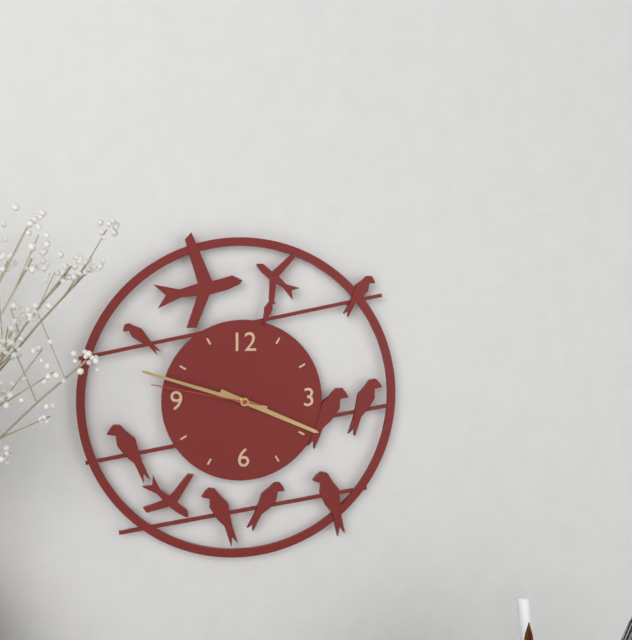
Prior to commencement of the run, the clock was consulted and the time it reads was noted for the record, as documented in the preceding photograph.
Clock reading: 3:48:47
